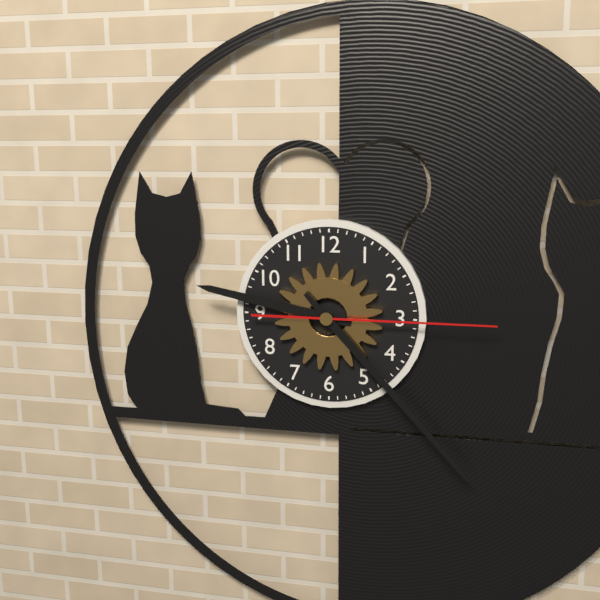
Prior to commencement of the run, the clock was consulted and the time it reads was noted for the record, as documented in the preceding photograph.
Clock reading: 9:23:15
